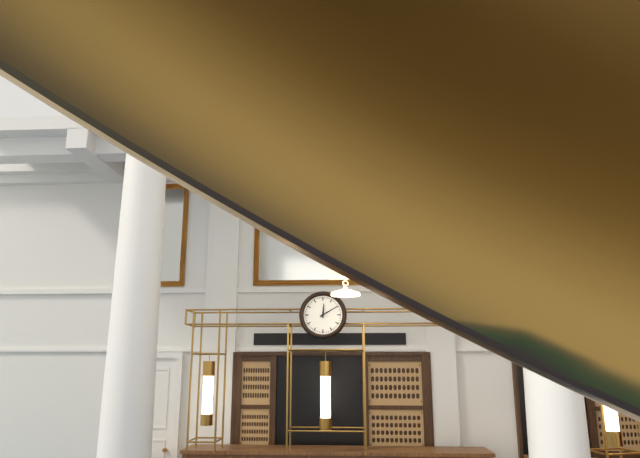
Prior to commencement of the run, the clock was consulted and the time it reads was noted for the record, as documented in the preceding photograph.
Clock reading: 12:10
